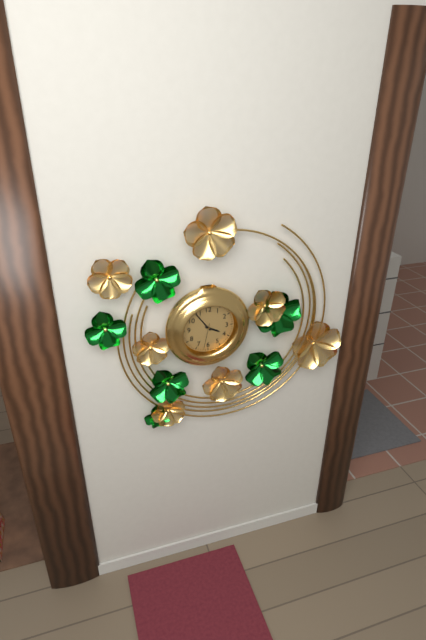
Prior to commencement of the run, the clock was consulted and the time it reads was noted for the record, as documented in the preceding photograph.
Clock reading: 3:54
